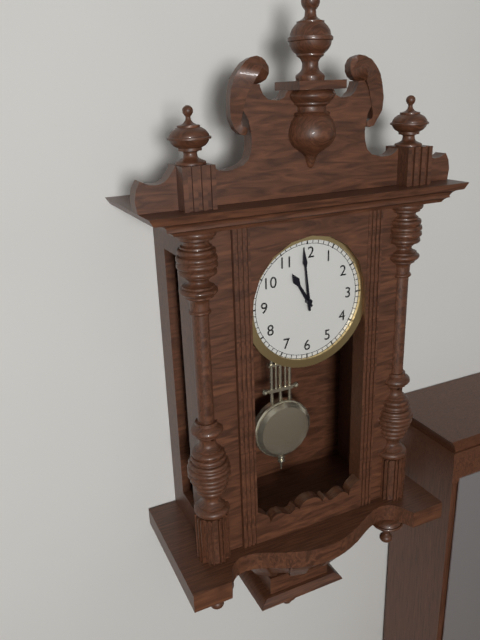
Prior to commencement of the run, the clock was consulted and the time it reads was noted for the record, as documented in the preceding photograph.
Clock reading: 10:59
